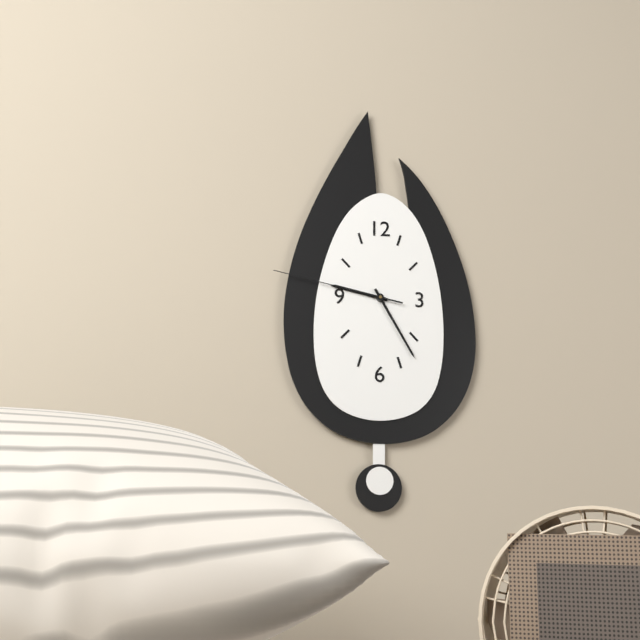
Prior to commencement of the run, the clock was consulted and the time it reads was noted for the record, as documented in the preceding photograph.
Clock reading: 9:25:47
